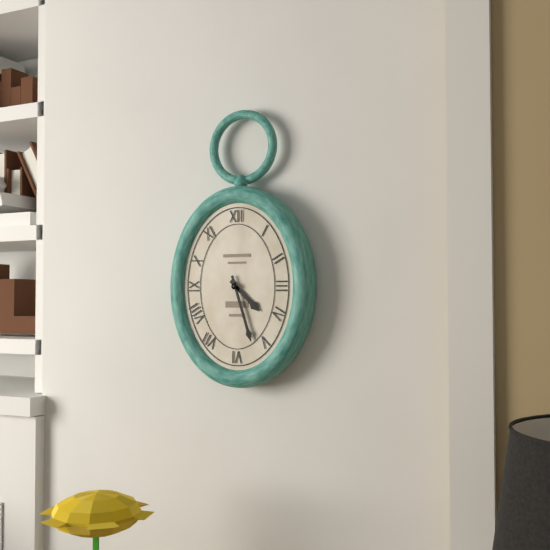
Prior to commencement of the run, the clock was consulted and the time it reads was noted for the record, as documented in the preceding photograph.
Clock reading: 4:27
